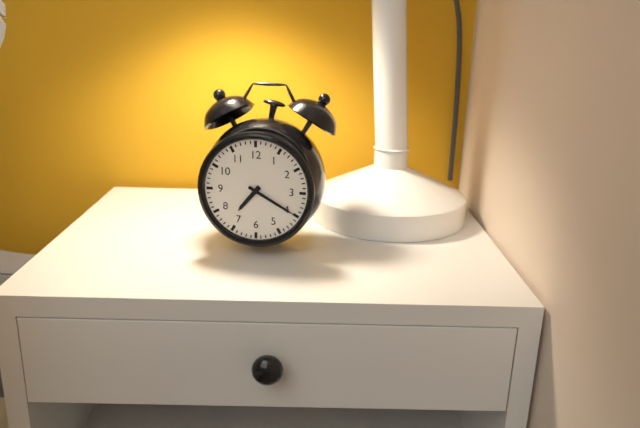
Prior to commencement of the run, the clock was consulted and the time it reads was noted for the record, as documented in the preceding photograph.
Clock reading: 7:20
